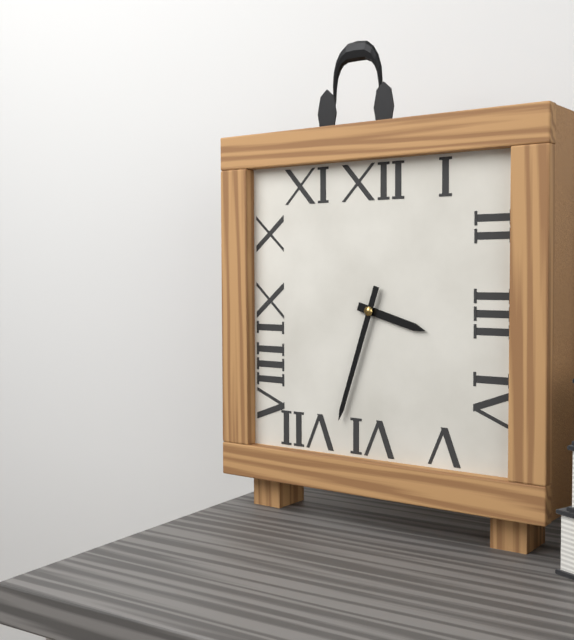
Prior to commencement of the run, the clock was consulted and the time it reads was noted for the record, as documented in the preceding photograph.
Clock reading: 3:33
